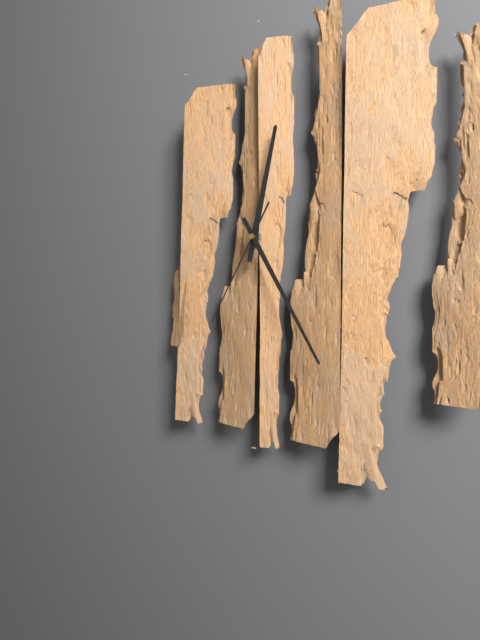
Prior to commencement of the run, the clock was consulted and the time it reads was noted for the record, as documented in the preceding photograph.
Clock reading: 12:25:35
